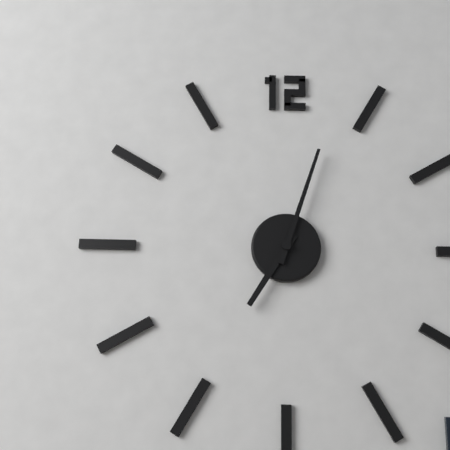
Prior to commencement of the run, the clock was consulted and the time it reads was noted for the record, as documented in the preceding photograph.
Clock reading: 7:03
